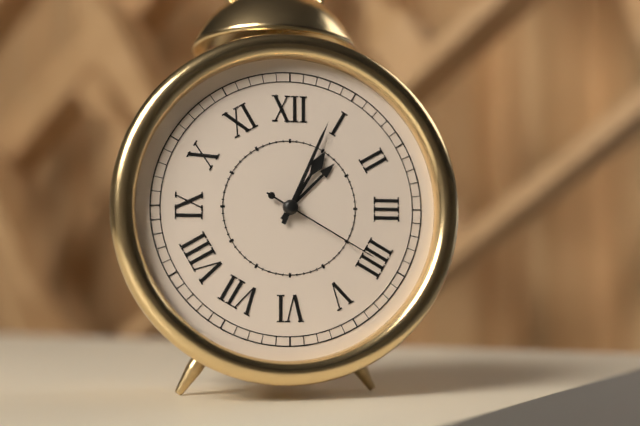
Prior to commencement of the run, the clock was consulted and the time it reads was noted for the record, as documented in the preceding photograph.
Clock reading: 1:04:20
